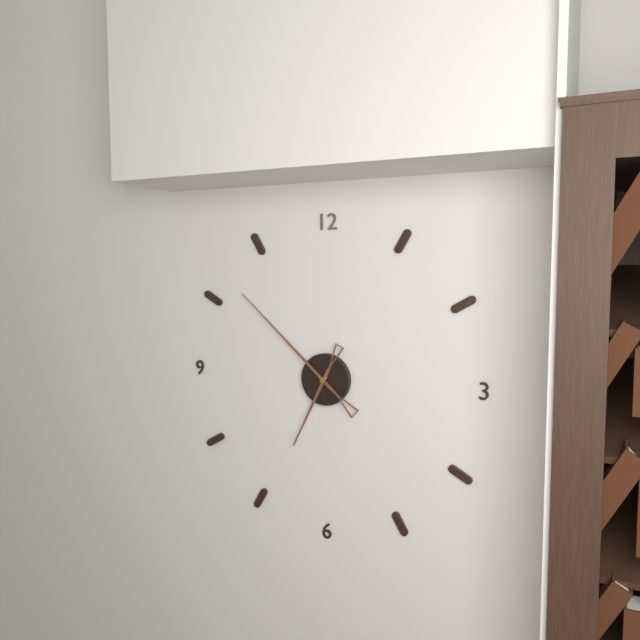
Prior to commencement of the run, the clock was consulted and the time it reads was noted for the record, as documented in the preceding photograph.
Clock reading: 6:52
